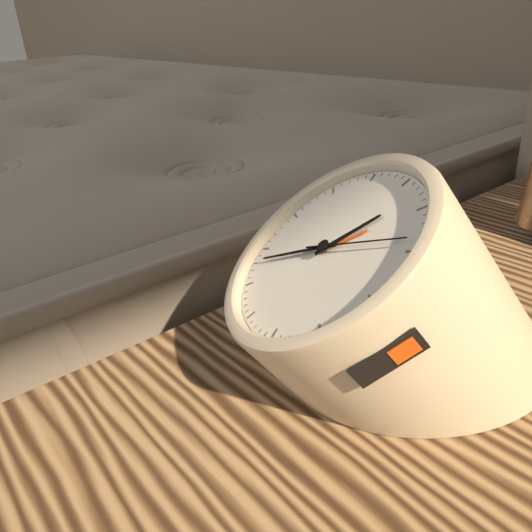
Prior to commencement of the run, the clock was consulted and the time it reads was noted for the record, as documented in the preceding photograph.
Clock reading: 12:38:09
